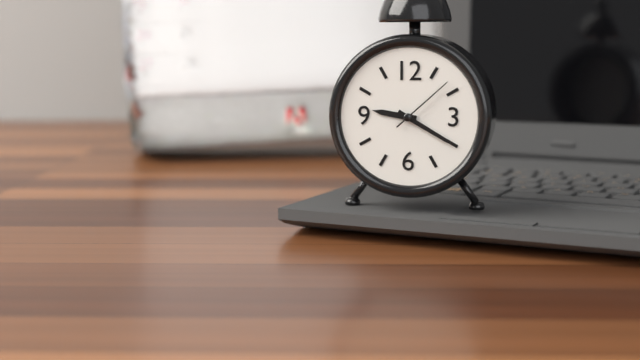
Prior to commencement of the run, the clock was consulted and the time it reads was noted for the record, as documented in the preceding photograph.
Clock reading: 9:20:08
